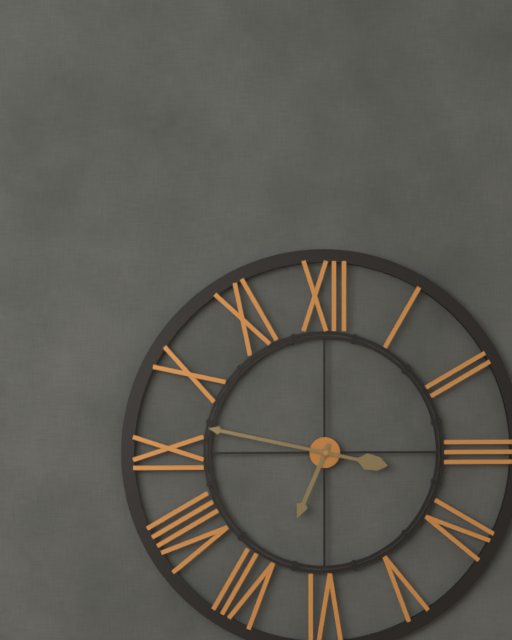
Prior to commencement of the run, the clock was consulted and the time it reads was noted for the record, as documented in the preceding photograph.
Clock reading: 6:47
